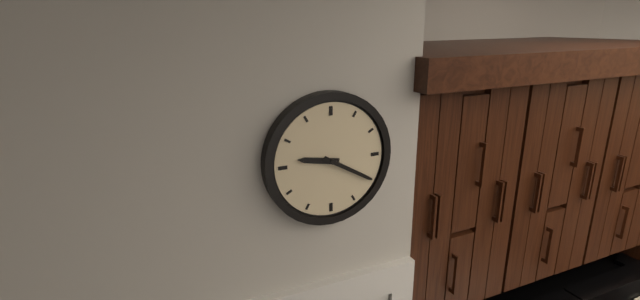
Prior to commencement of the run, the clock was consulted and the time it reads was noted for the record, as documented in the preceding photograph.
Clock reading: 9:20
